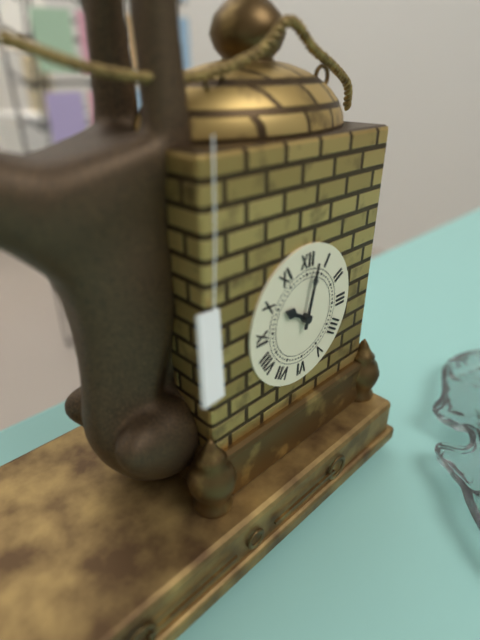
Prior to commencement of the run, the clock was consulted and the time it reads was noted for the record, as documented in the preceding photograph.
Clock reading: 10:02
